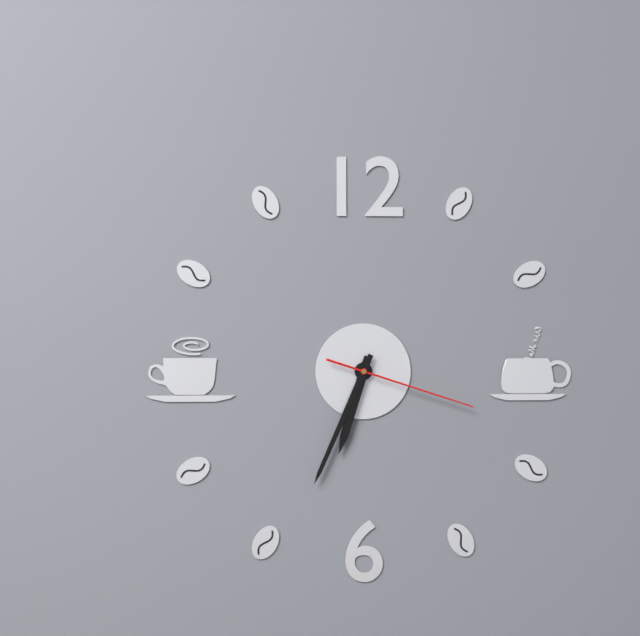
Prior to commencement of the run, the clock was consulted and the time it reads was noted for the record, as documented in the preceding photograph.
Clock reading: 6:34:18
